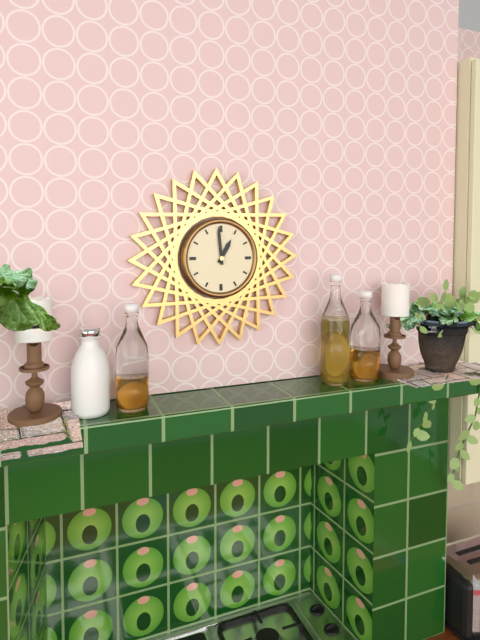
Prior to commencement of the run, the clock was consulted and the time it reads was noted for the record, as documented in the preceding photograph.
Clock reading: 12:59
